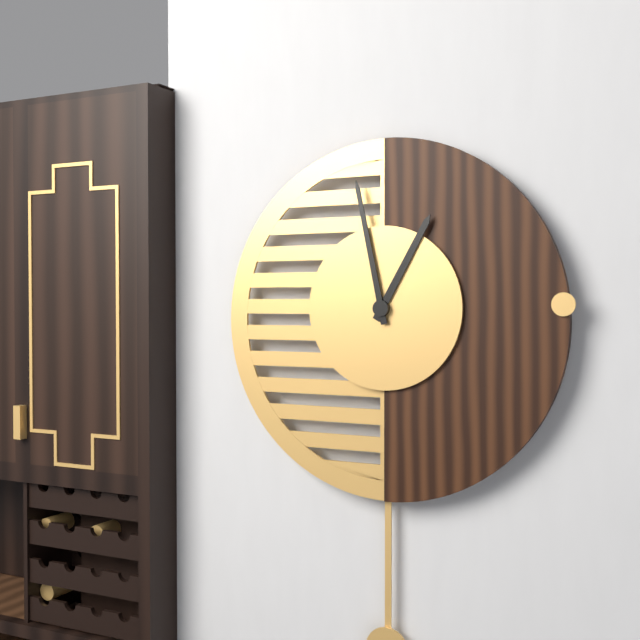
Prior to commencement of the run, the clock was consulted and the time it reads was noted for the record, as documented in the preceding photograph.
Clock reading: 12:58
